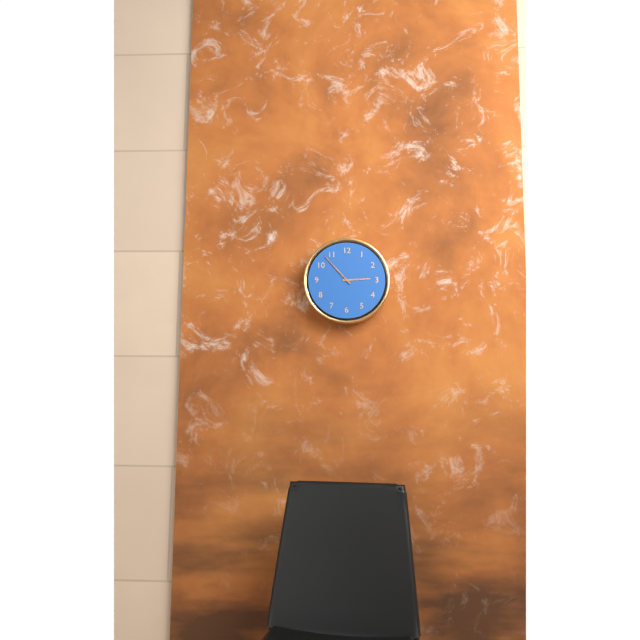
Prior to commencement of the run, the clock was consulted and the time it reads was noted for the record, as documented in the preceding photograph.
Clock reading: 2:53
